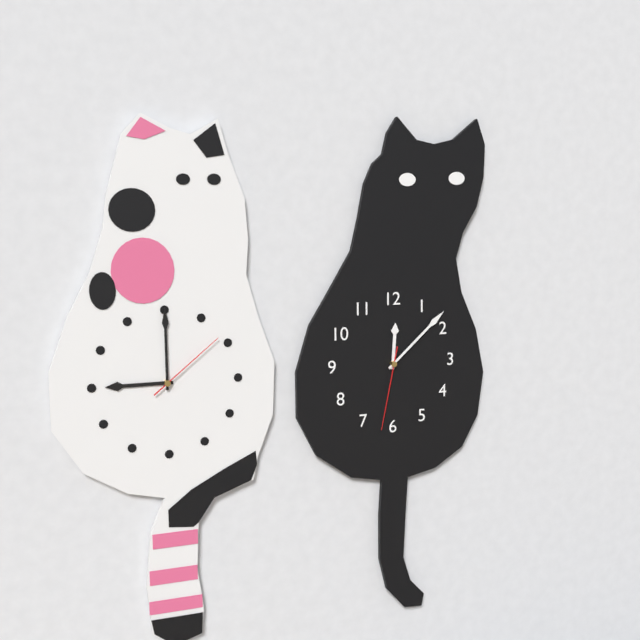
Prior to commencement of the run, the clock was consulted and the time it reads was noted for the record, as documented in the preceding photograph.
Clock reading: 12:08:32
